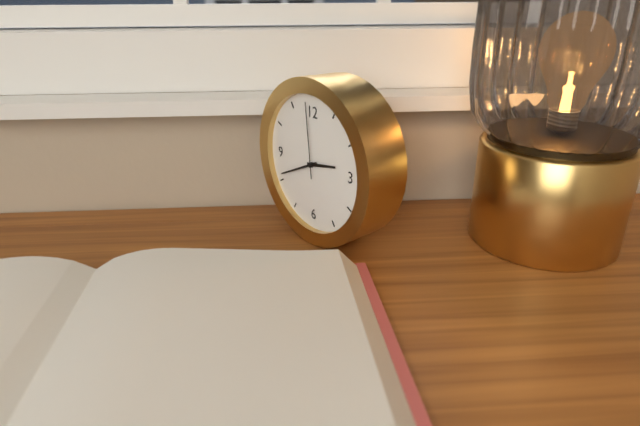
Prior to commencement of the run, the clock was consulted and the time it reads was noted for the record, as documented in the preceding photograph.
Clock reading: 2:41:59
